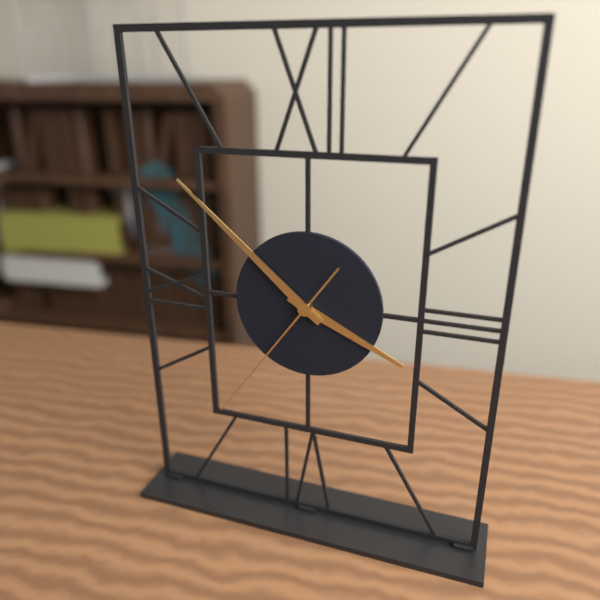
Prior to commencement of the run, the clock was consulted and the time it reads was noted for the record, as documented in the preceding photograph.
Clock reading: 3:52:36
